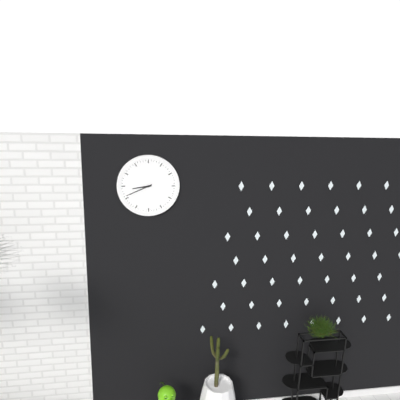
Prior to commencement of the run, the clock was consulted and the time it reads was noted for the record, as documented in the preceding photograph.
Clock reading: 8:41
